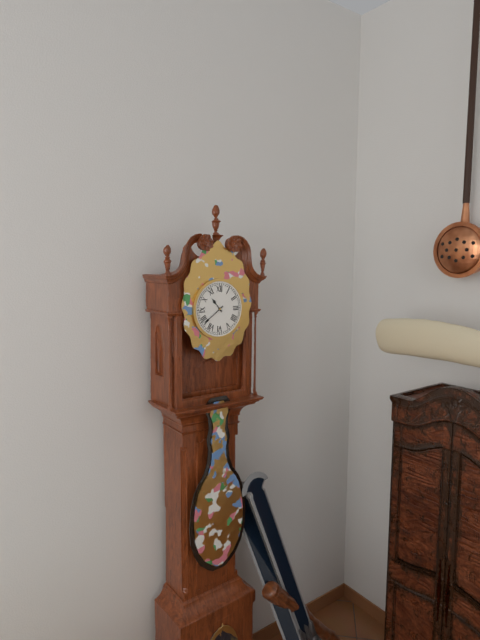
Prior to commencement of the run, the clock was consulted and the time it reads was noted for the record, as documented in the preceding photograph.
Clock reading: 10:39
